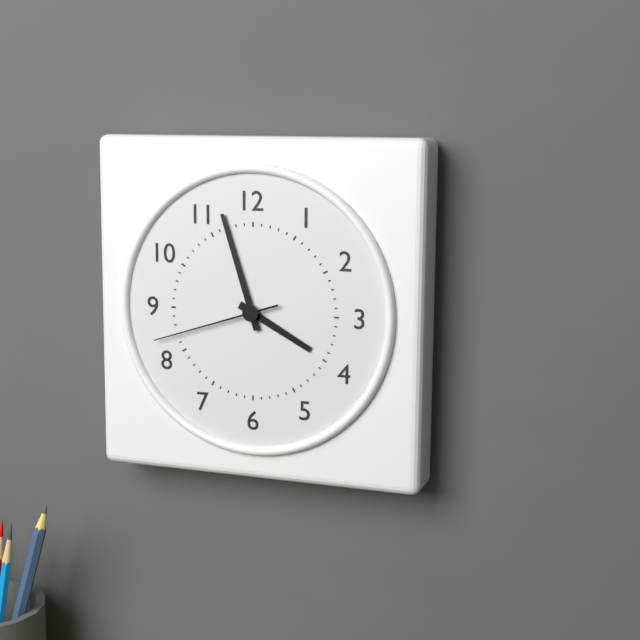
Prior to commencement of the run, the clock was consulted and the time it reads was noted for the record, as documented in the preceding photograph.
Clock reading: 3:57:42
